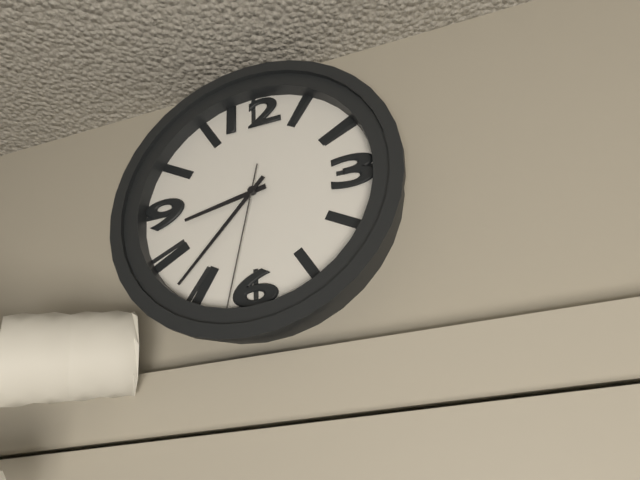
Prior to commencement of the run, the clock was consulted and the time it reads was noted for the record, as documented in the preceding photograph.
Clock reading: 8:37:32
